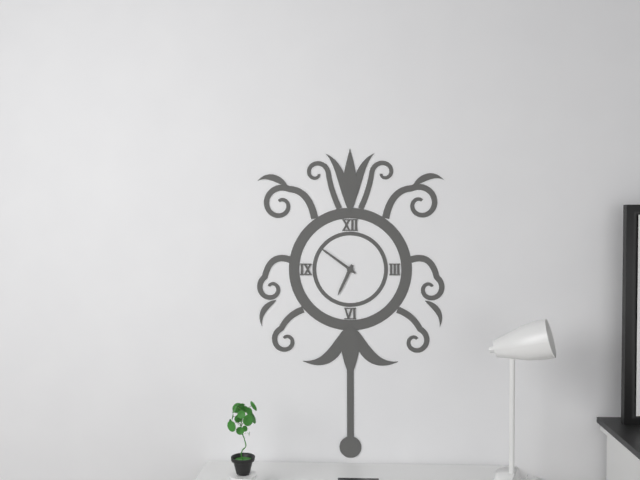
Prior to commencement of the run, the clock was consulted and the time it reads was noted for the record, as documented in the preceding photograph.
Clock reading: 6:51
